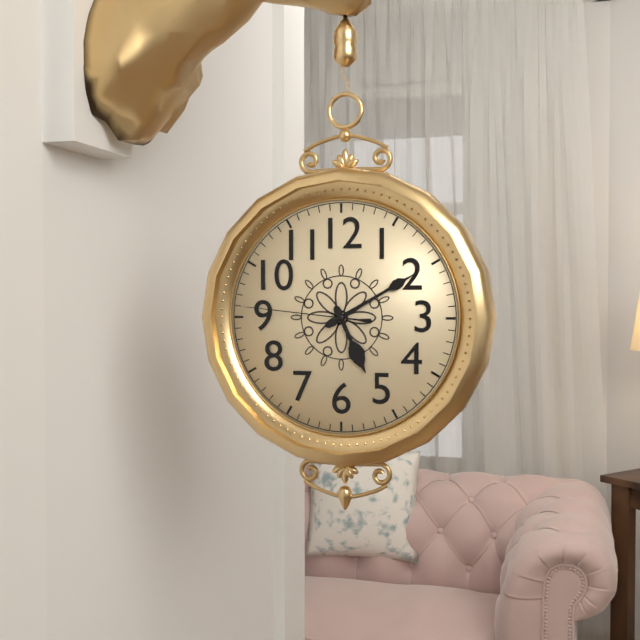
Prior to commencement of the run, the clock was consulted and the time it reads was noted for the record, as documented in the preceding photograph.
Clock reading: 5:10:46
